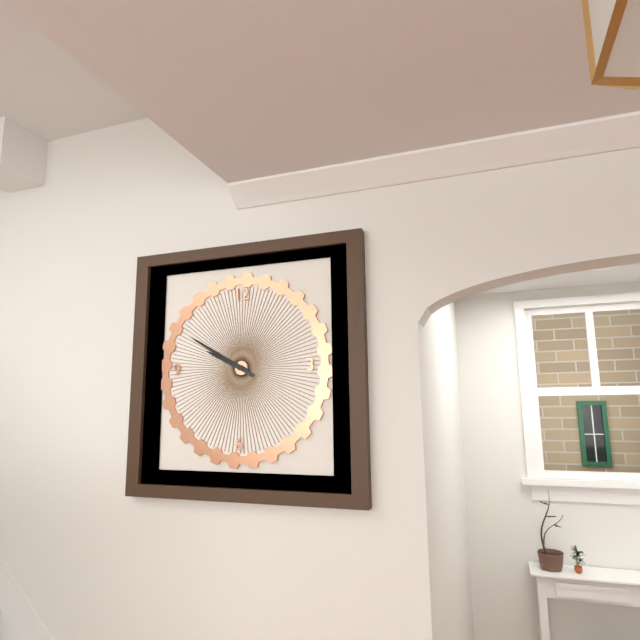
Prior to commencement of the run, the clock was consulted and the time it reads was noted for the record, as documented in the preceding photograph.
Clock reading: 9:50
